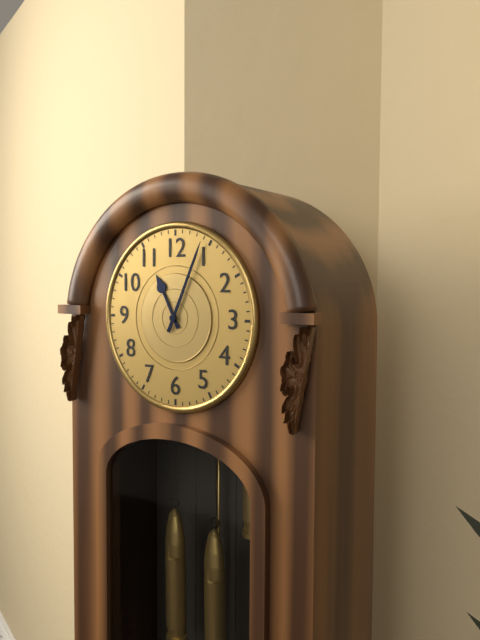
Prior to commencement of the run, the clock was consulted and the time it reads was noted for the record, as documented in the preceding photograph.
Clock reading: 11:04
